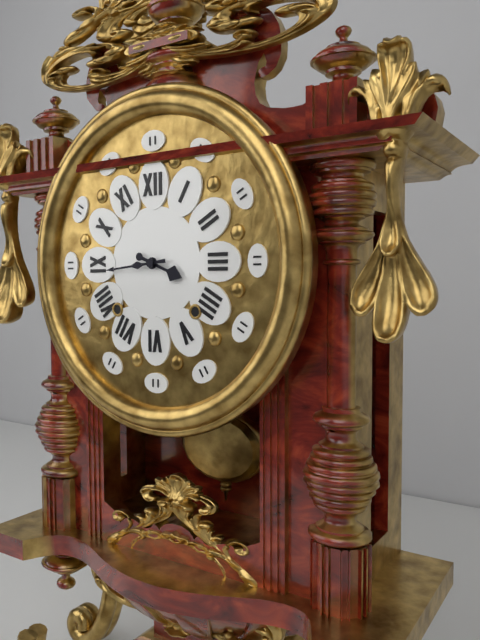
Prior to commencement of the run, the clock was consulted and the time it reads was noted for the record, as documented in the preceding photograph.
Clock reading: 3:44
